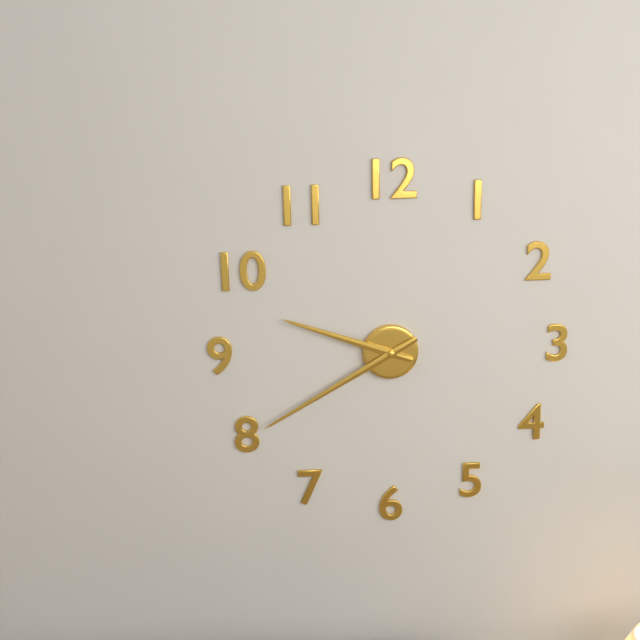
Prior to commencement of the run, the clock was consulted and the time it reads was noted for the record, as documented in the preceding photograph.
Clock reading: 9:40
